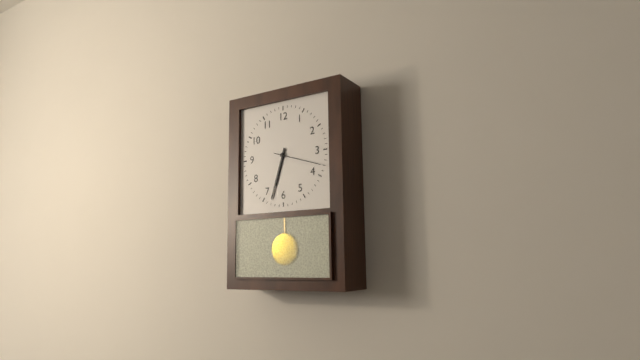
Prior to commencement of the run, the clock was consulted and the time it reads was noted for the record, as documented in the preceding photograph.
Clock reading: 6:33
